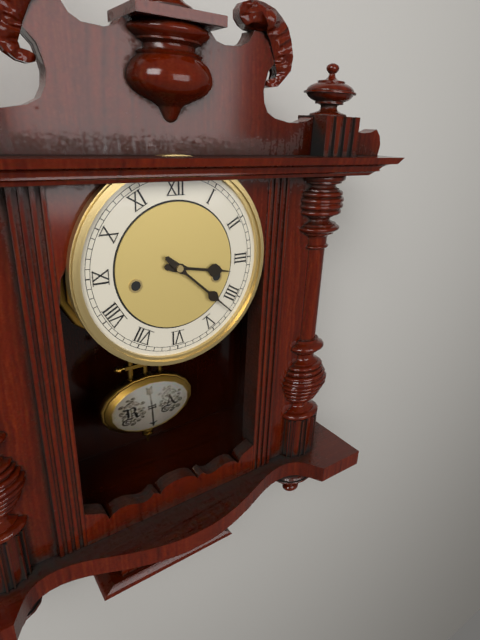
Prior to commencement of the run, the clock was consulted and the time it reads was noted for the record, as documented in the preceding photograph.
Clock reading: 3:22
